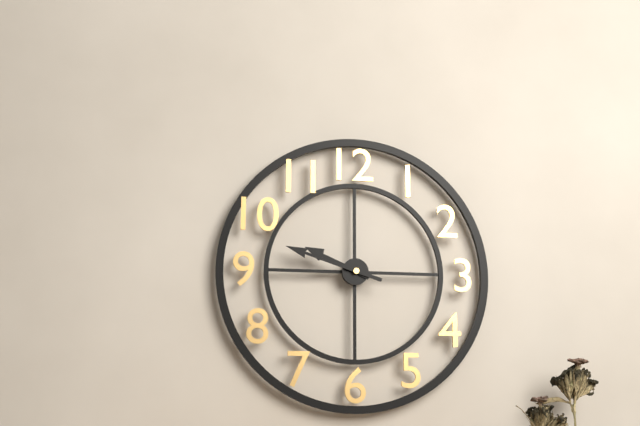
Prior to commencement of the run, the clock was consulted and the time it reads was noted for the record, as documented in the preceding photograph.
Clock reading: 9:48
